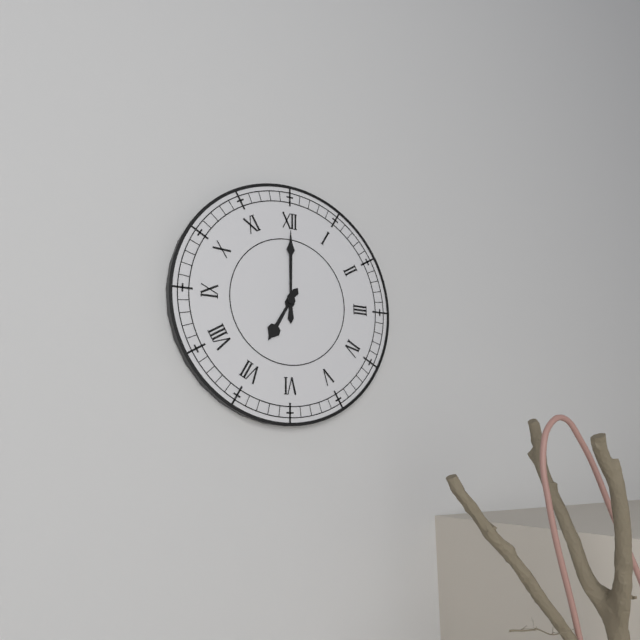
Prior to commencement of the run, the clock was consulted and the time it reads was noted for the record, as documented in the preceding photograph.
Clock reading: 7:00
